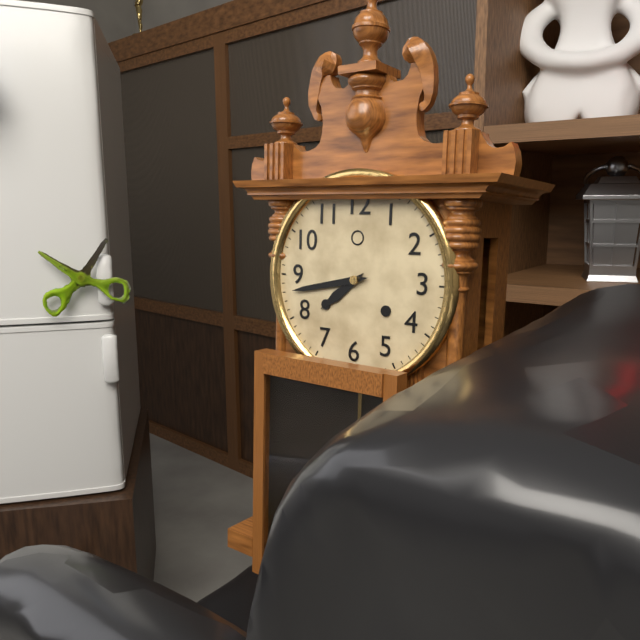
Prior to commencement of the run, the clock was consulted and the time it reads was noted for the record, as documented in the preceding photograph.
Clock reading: 7:43
